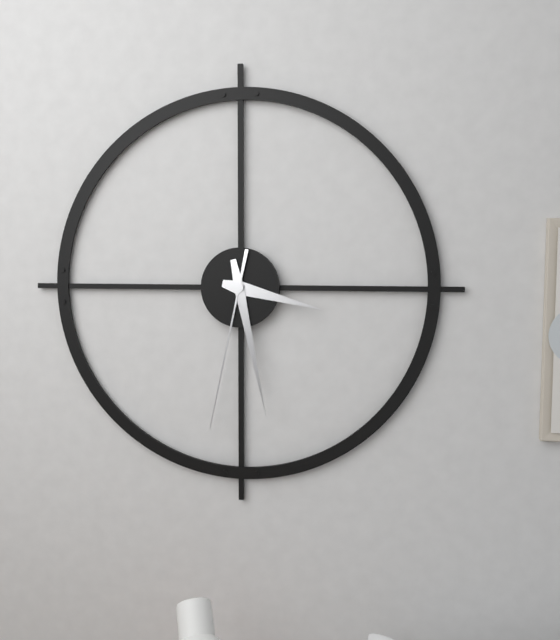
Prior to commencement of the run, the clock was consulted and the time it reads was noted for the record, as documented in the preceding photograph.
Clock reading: 3:28:32
